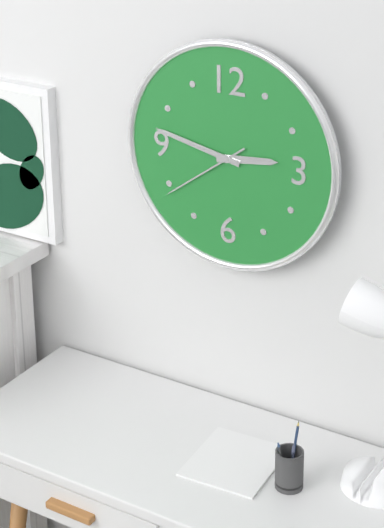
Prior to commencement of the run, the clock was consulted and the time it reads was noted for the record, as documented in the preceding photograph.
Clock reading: 2:47:39
